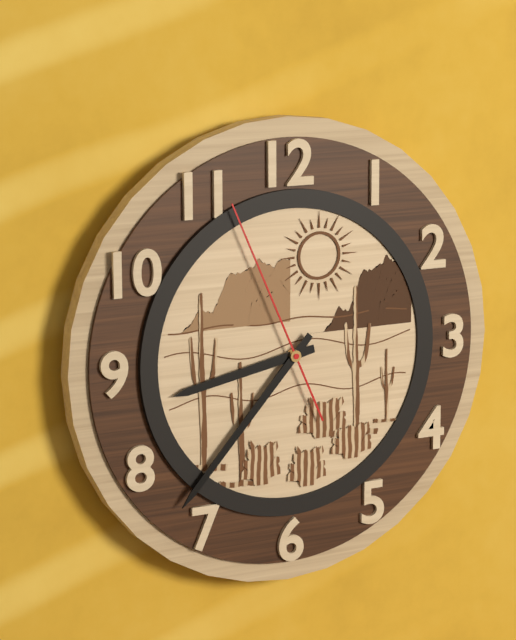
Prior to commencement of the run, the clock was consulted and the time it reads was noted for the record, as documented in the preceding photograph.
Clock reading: 8:37:56
